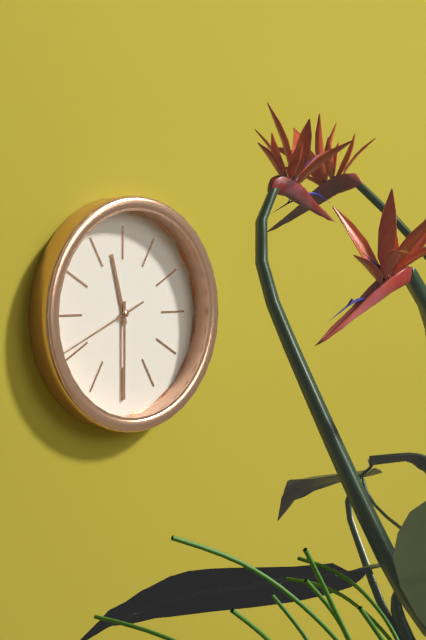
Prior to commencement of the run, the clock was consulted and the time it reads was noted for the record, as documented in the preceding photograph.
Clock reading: 11:30:41
